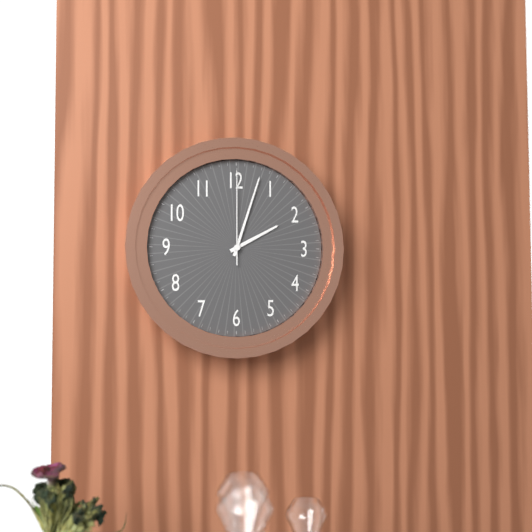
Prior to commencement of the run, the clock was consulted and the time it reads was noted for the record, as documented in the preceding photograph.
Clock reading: 2:03:00
